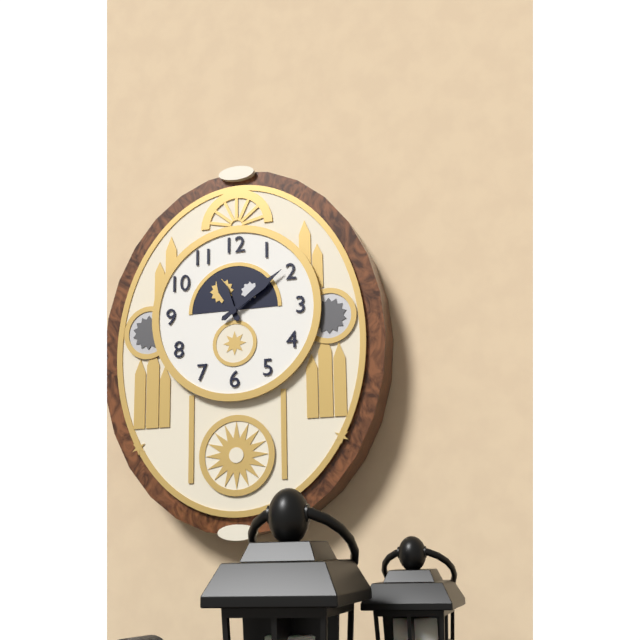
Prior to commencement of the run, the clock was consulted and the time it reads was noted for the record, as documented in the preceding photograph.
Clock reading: 11:09
